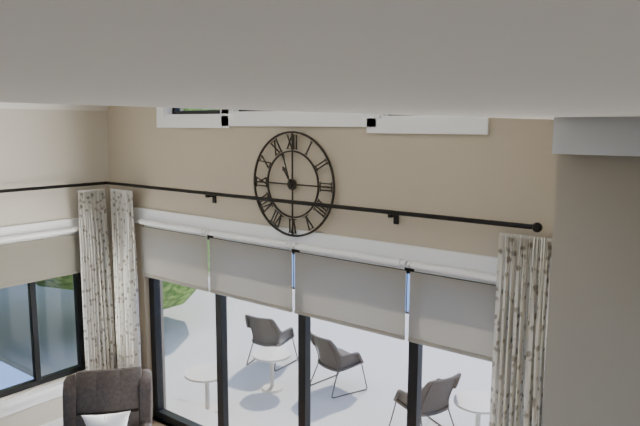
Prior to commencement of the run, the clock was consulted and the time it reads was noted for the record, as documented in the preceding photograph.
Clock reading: 10:57
